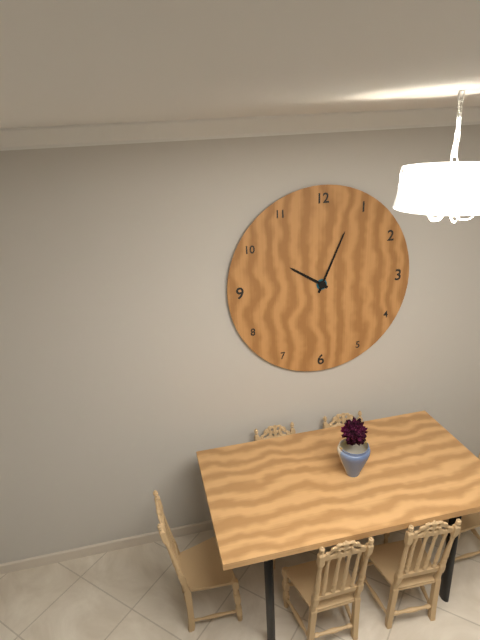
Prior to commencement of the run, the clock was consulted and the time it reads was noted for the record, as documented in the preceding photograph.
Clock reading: 10:04
